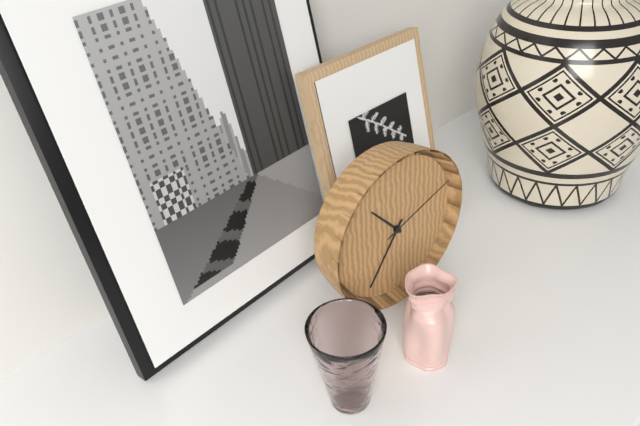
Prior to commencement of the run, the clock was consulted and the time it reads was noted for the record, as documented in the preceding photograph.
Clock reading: 10:36:12
